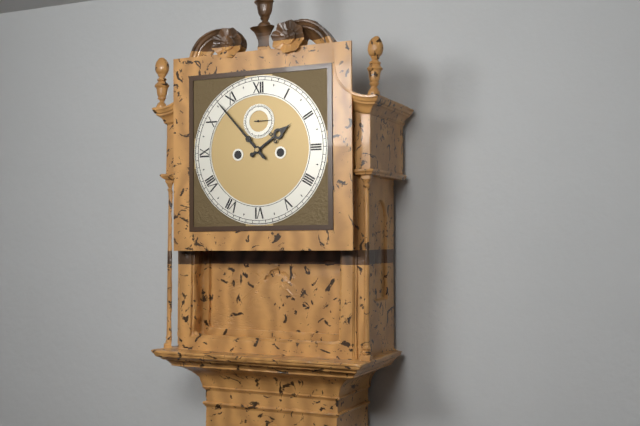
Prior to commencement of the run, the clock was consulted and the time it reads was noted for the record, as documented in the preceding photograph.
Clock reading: 1:53
